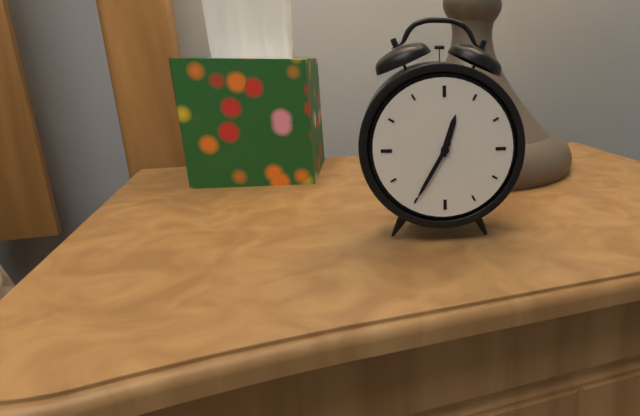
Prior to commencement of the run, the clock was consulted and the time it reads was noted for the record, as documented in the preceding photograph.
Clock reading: 12:35
